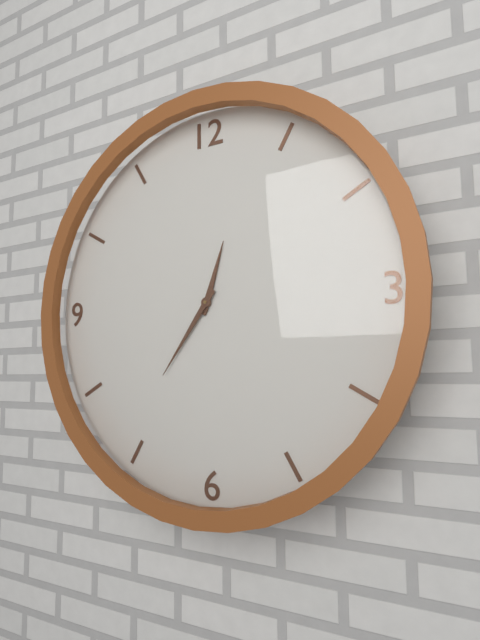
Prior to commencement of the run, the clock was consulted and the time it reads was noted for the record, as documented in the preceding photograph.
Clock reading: 12:36
